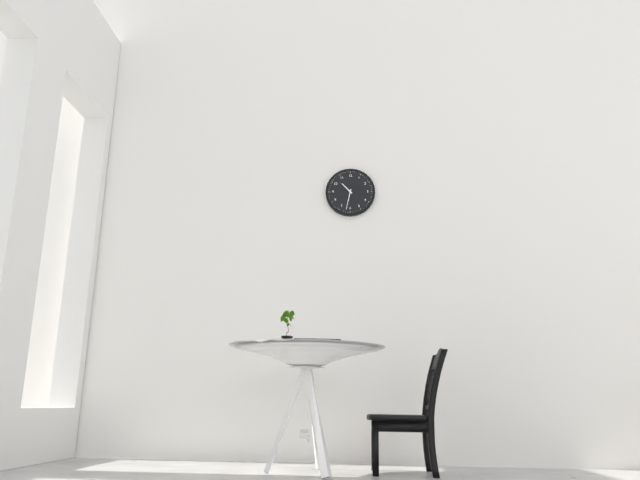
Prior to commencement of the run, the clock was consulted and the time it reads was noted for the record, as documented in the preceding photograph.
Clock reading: 10:32
